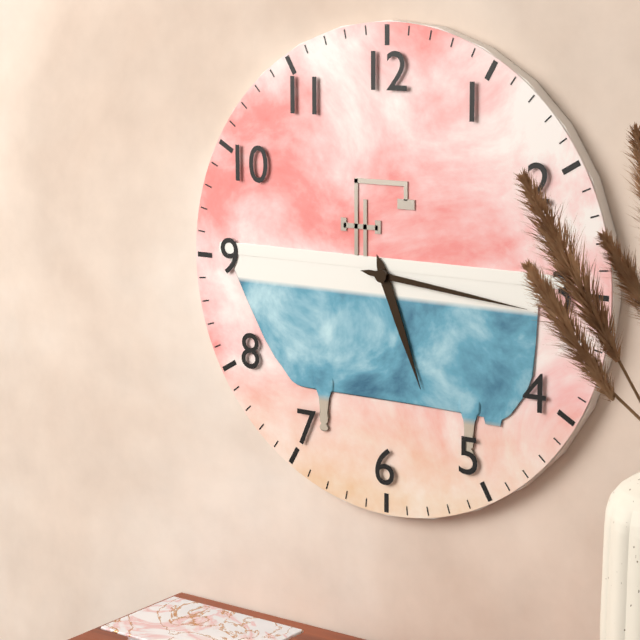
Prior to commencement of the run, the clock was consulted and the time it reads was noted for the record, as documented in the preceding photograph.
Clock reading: 5:16
